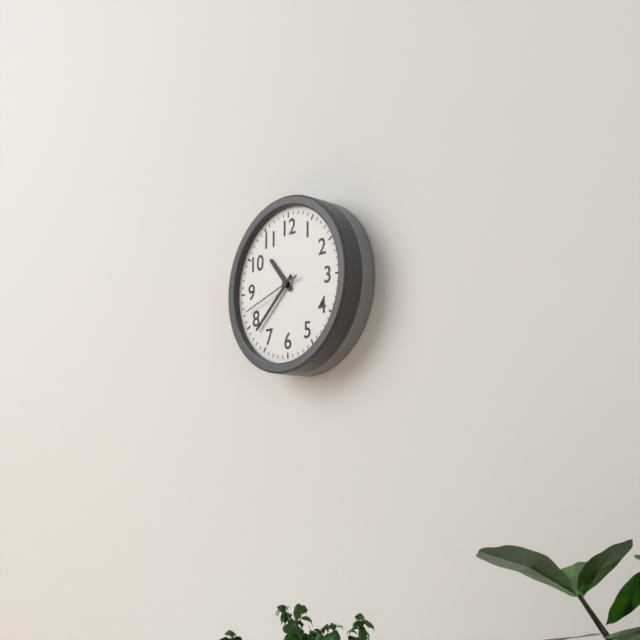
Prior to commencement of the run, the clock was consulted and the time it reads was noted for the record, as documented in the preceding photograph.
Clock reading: 10:38:42
